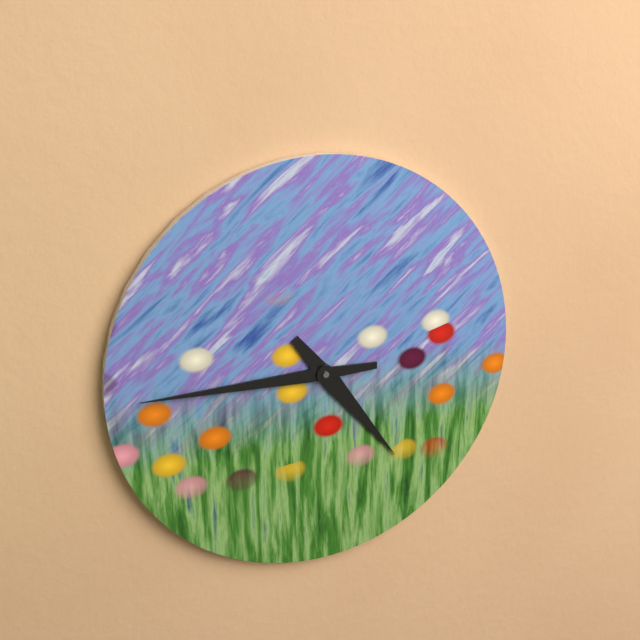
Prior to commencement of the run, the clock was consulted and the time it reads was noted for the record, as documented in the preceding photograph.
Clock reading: 4:45
